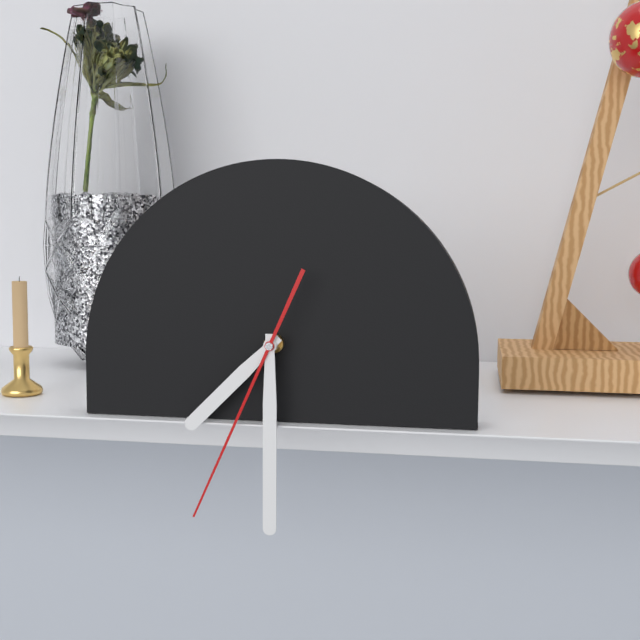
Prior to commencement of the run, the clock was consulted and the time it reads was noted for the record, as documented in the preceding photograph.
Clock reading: 7:30:34
